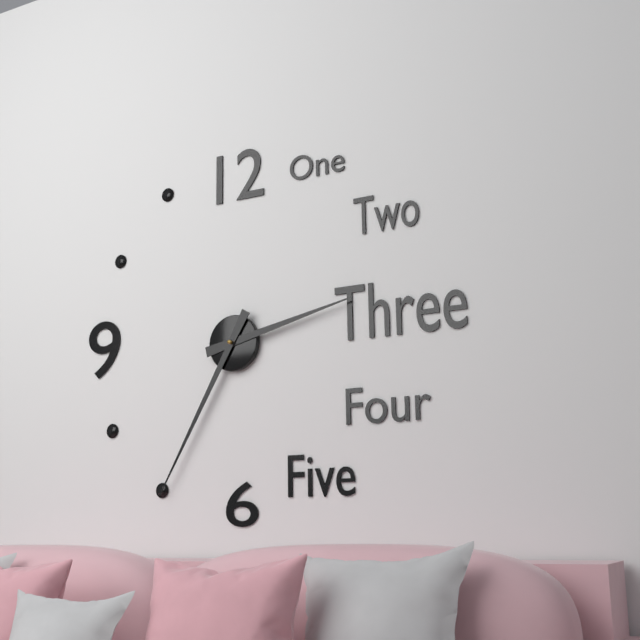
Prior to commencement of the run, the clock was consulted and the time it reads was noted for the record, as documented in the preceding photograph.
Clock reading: 2:35
